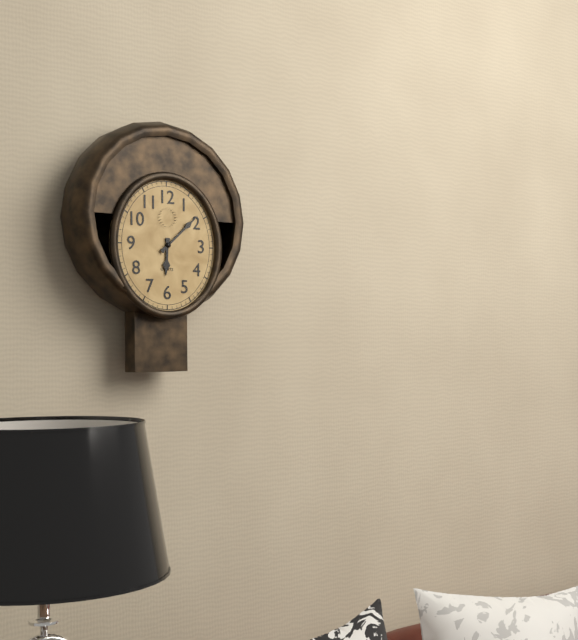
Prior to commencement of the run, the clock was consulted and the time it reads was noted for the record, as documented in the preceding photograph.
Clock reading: 6:08
